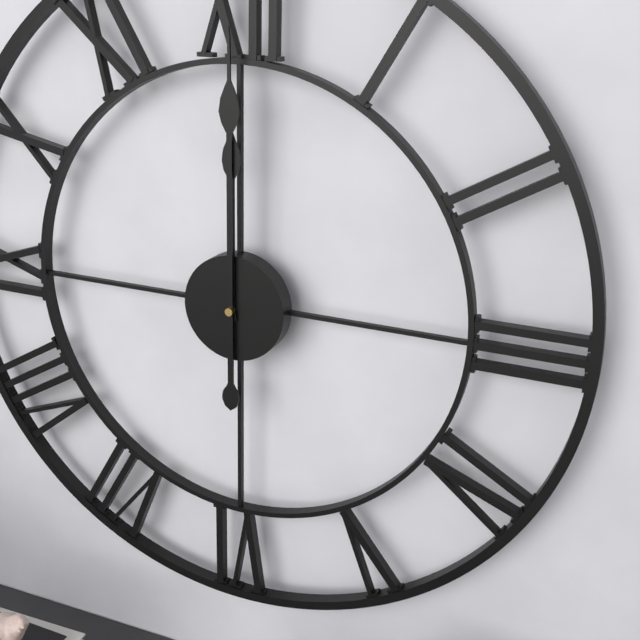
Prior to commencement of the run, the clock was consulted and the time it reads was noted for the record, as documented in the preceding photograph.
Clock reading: 12:00
